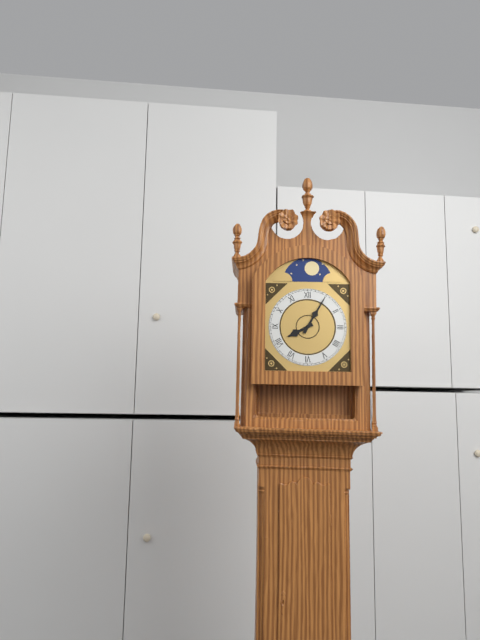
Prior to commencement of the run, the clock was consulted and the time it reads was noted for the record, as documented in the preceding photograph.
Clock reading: 8:05
